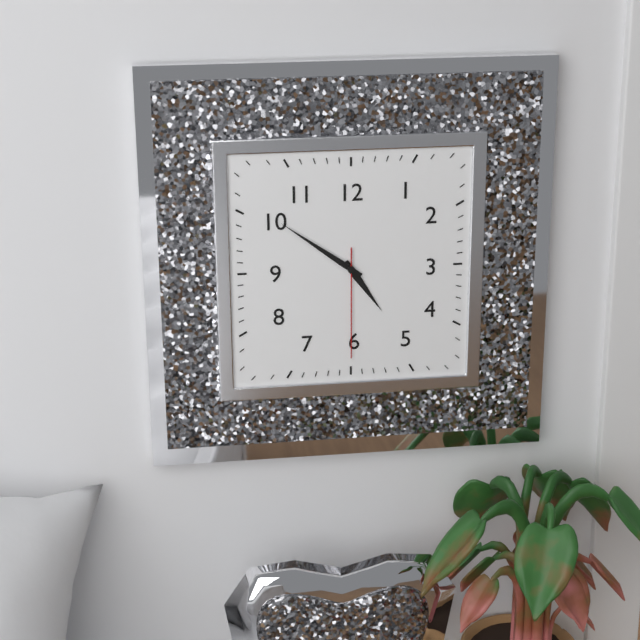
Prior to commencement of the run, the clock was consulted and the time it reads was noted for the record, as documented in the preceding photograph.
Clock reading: 4:51:30
